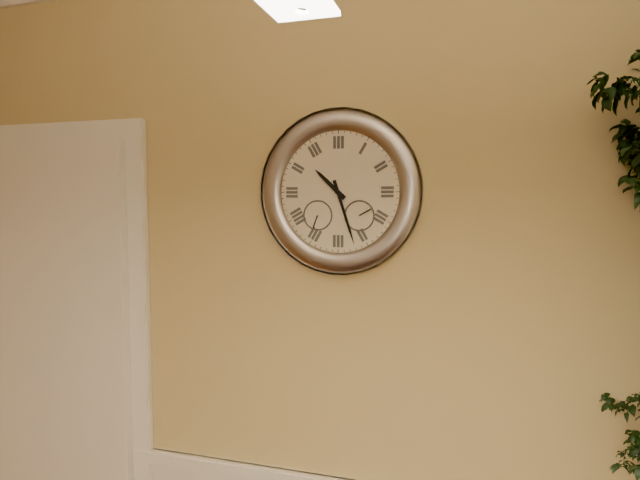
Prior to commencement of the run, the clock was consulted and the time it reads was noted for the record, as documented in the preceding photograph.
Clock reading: 10:27
